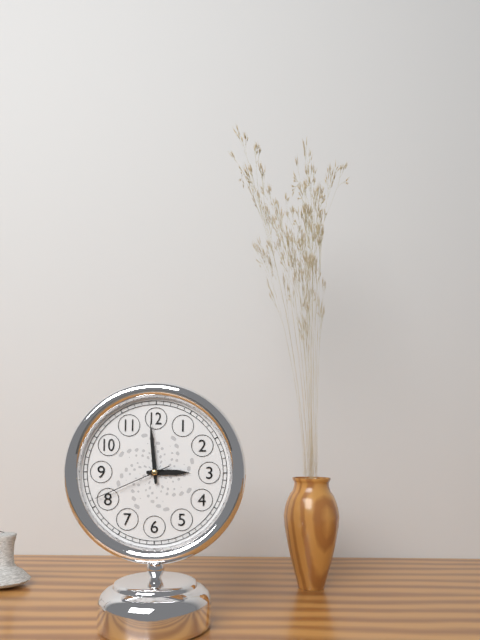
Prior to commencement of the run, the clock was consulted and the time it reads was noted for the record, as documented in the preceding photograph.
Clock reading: 2:59:41
